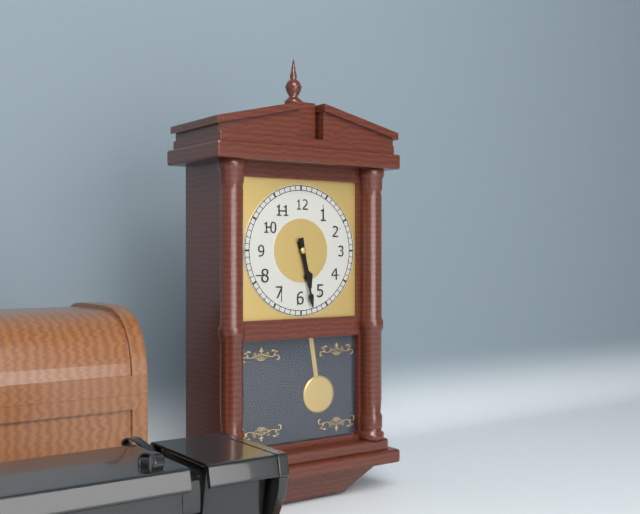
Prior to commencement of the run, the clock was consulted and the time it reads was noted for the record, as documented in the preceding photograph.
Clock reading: 5:28
